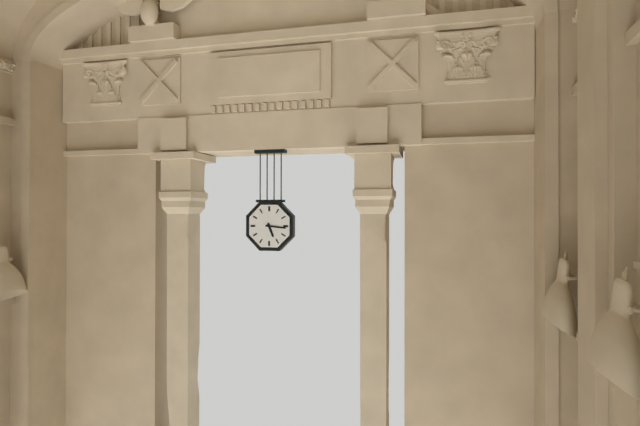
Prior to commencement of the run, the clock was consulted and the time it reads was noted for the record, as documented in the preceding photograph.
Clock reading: 5:16
